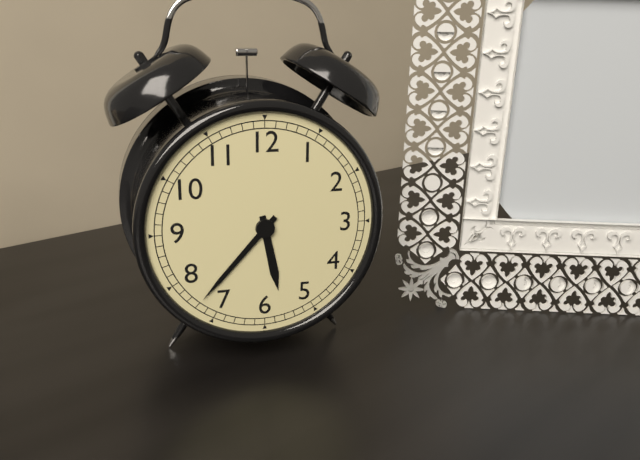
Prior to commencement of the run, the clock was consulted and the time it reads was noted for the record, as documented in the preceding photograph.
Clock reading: 5:37
